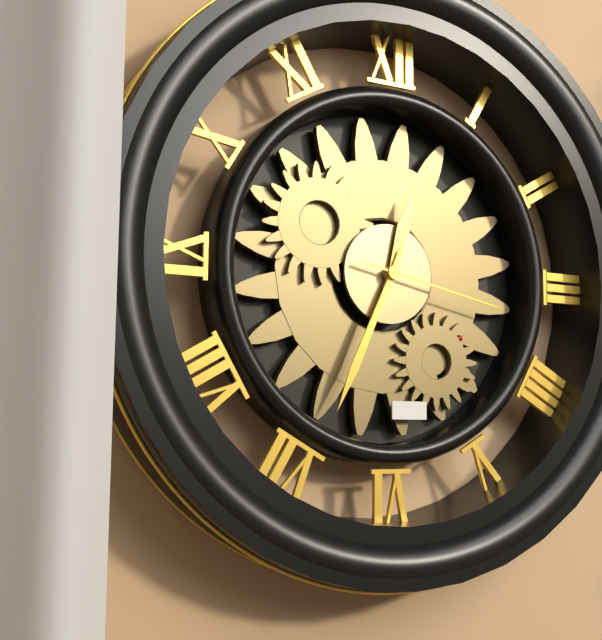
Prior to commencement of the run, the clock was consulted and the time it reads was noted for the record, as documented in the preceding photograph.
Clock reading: 12:34:17
